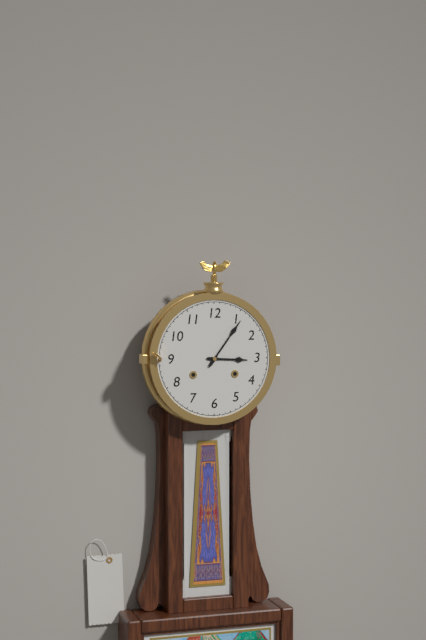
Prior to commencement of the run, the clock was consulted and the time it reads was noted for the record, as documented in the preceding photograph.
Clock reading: 3:06
